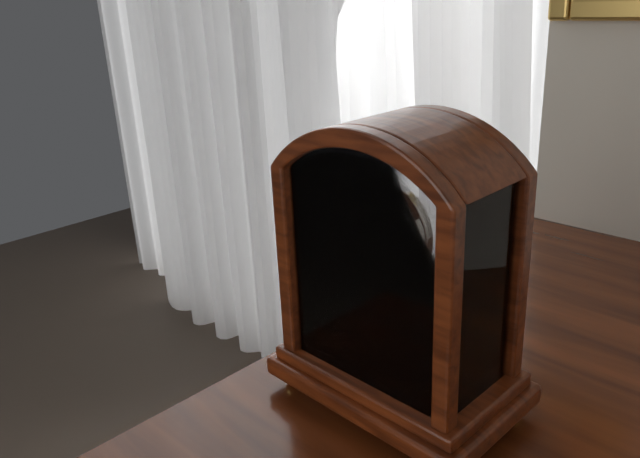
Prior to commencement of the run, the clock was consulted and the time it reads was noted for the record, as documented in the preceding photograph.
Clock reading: 8:19
